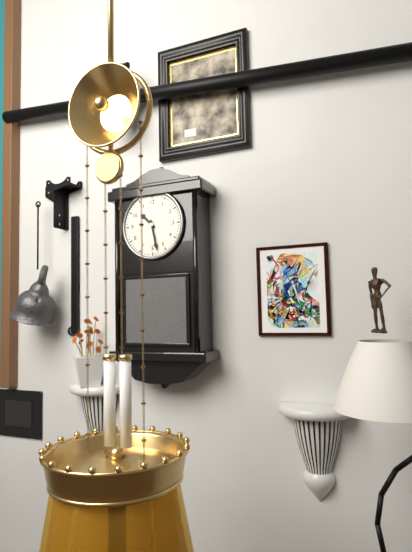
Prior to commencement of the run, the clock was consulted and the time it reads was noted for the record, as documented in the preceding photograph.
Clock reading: 10:28
